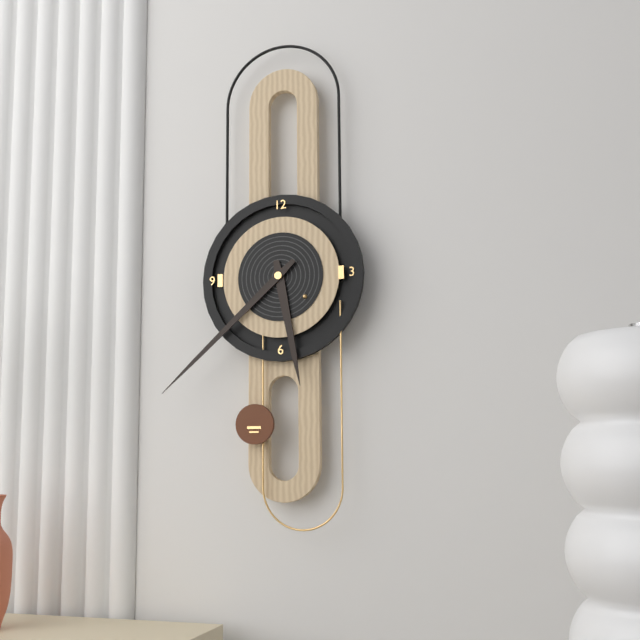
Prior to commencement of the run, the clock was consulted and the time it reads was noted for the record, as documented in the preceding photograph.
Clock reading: 5:38
